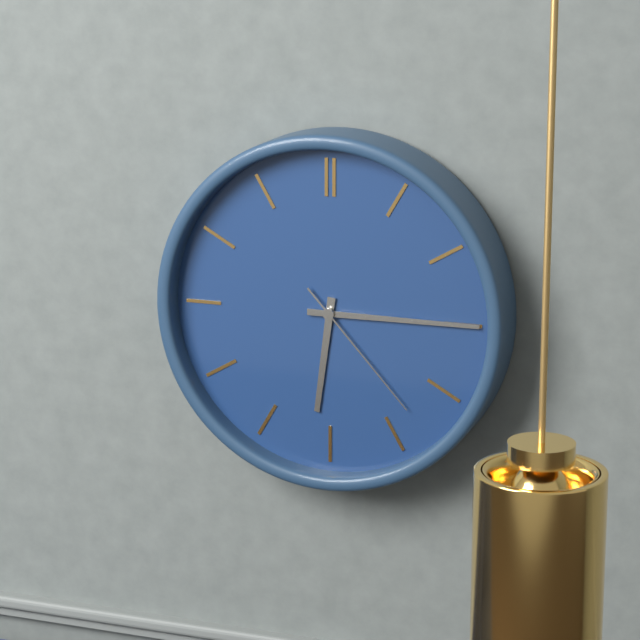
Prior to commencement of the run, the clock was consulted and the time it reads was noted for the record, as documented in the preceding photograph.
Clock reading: 6:15:23
